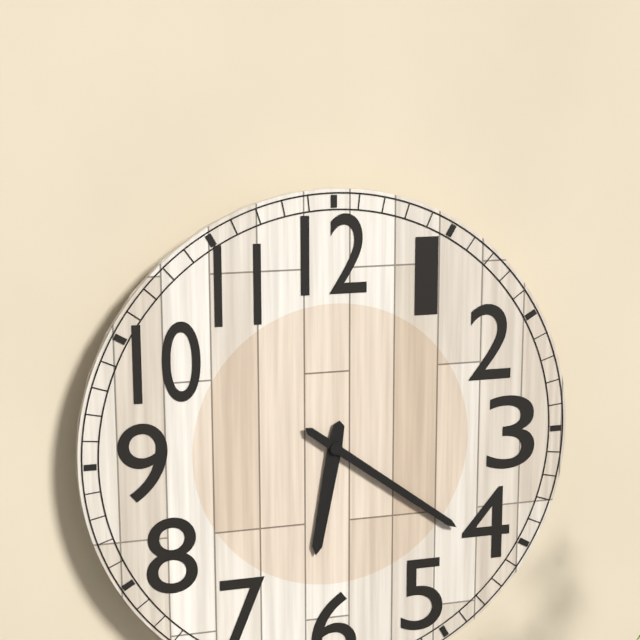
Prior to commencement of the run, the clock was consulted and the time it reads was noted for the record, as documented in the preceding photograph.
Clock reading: 6:21
